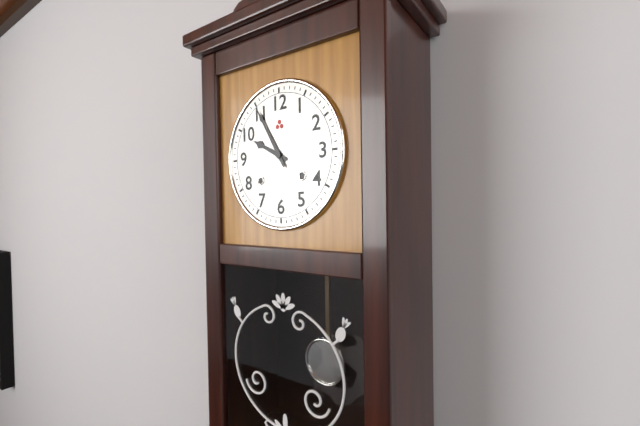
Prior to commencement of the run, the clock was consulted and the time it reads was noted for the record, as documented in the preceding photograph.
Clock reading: 9:55
